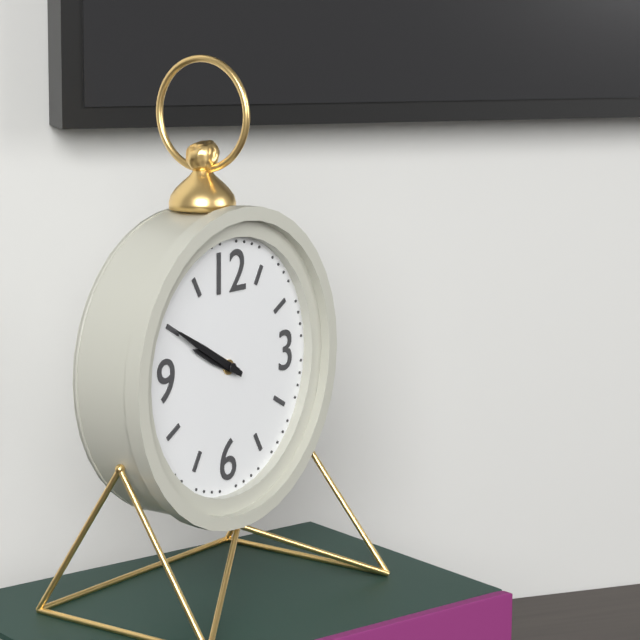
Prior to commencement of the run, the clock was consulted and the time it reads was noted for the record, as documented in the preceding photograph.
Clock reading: 9:50
